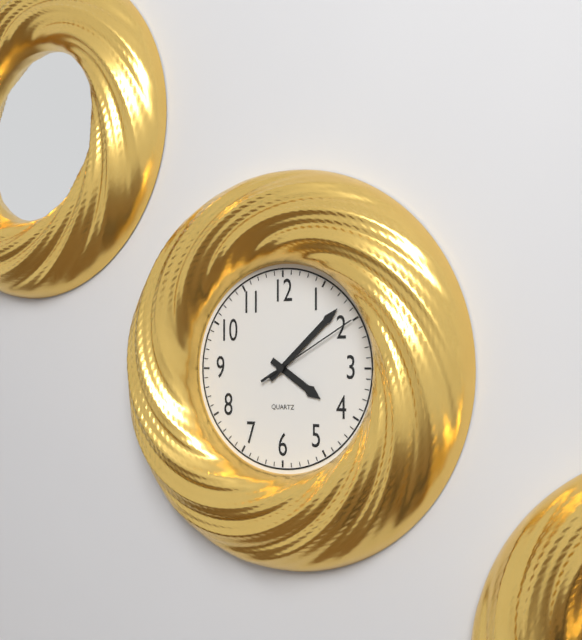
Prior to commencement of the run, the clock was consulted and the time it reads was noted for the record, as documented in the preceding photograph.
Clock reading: 4:08:10
